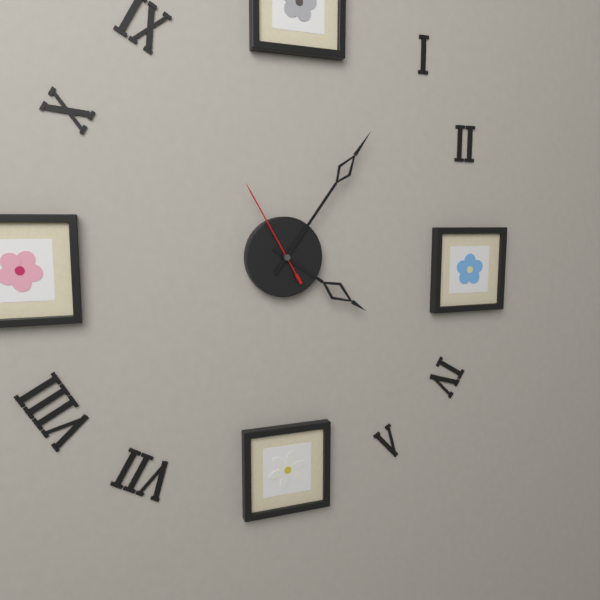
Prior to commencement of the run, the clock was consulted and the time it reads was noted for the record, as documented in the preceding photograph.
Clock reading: 4:06:55
